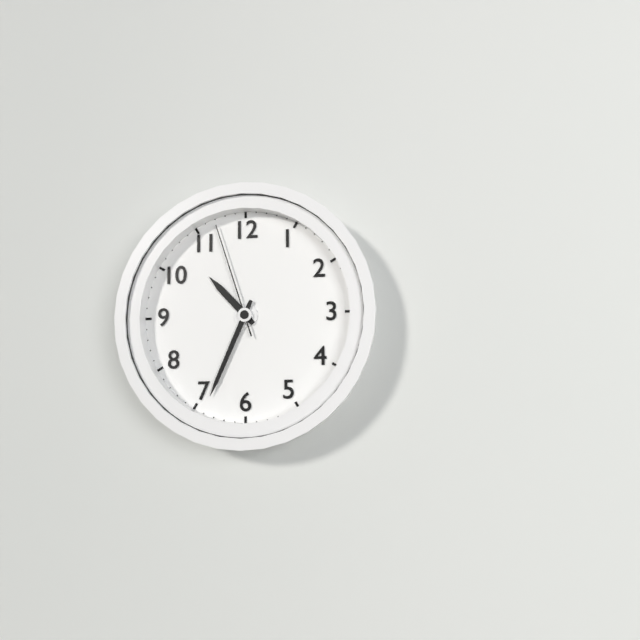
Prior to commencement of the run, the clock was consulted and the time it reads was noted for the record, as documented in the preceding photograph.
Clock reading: 10:34:57
